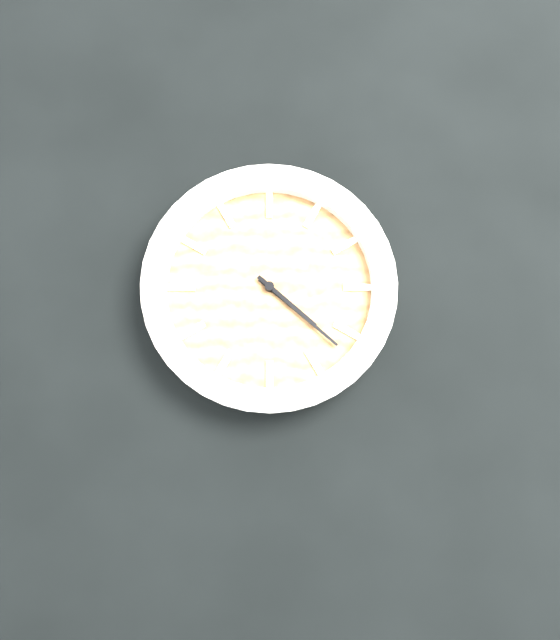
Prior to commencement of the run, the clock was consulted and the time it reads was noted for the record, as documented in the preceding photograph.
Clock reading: 4:22
